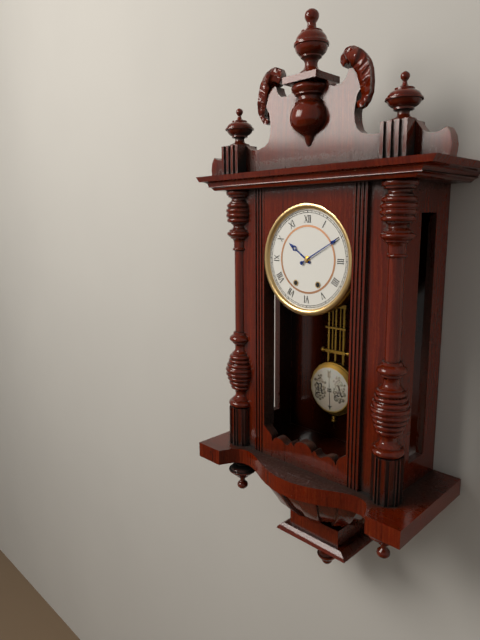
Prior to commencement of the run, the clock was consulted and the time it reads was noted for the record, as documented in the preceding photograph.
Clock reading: 10:10
